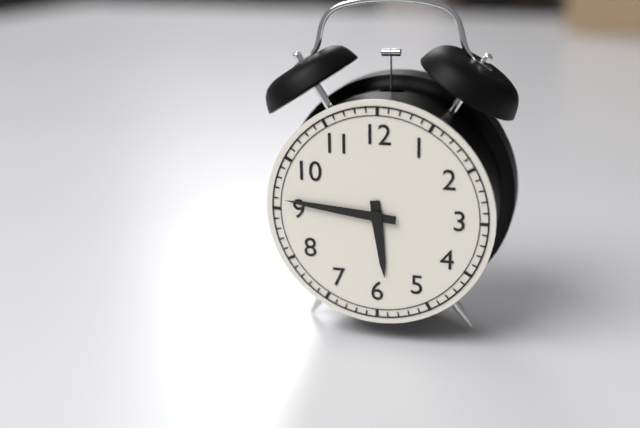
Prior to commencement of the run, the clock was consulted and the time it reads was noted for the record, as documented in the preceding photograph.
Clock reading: 5:46
